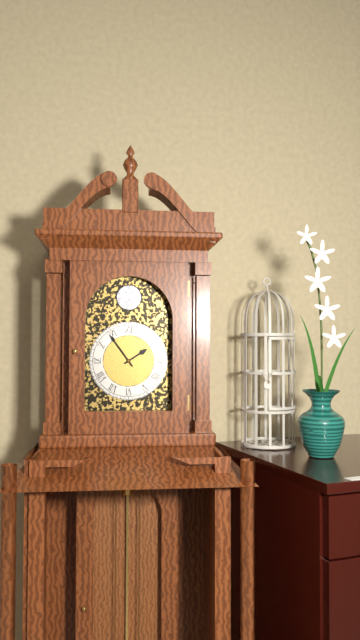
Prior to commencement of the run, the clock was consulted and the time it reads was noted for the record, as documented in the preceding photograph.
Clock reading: 1:54
